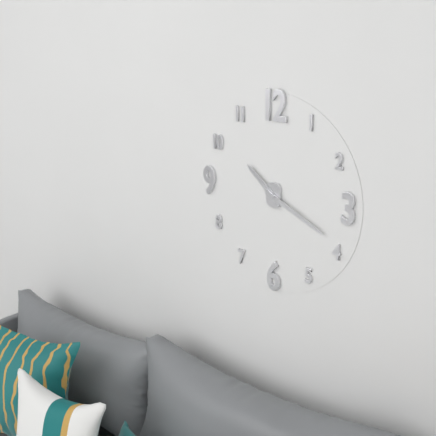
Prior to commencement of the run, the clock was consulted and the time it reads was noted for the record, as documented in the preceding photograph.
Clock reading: 10:19
